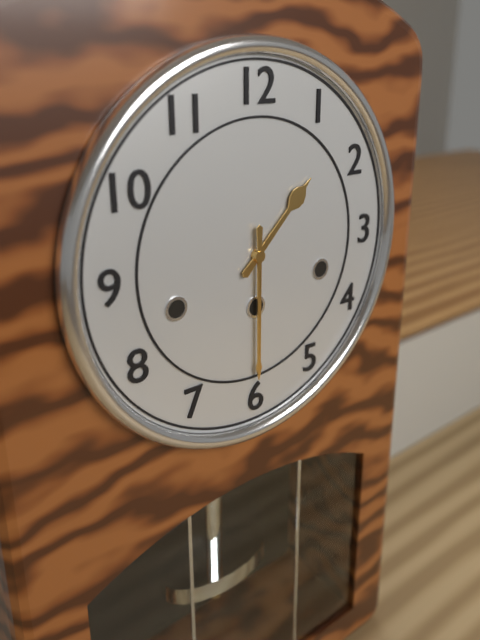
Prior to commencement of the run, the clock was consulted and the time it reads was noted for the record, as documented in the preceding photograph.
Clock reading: 1:30
